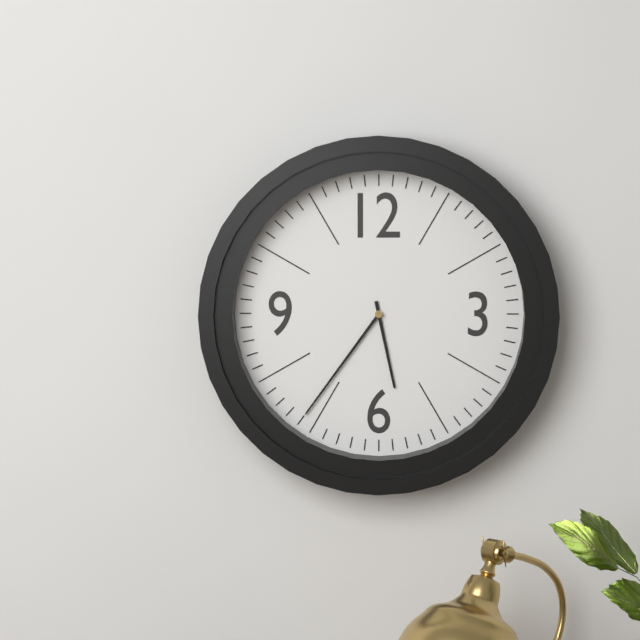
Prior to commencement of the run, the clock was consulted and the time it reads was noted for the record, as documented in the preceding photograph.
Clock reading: 5:36
